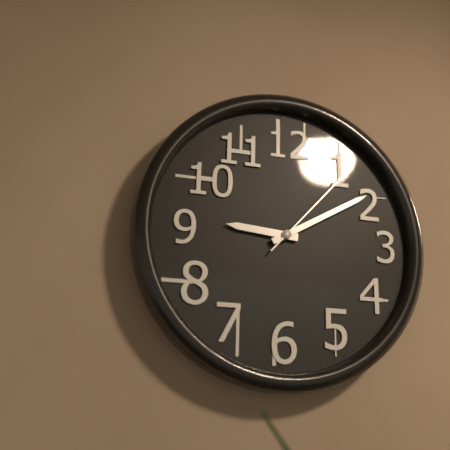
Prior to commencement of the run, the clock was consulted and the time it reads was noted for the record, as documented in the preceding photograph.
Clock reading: 9:10:07
